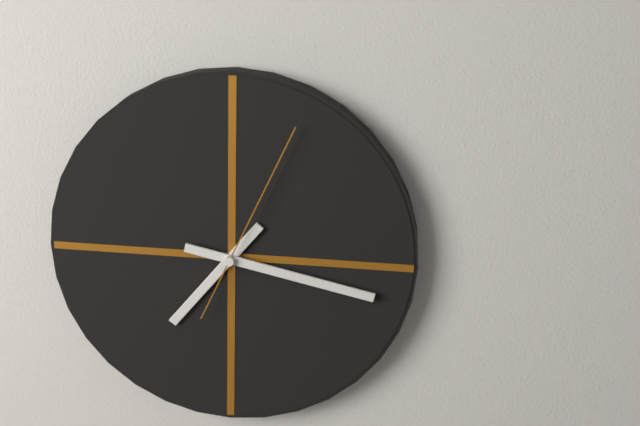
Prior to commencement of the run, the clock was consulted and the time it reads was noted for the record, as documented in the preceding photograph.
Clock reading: 7:17:04
